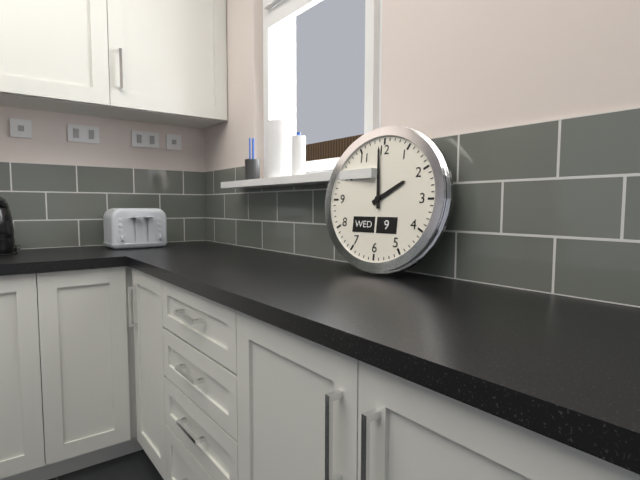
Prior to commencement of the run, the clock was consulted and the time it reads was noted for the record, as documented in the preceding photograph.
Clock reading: 1:59
